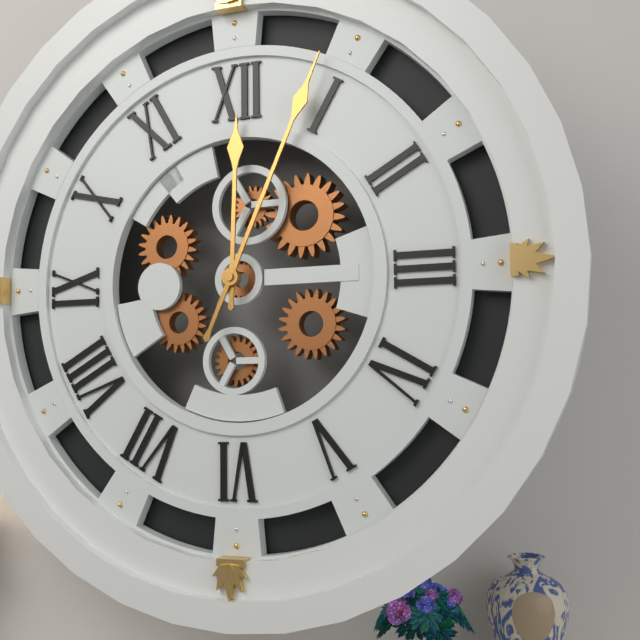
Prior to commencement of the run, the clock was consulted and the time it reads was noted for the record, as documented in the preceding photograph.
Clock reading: 12:04
